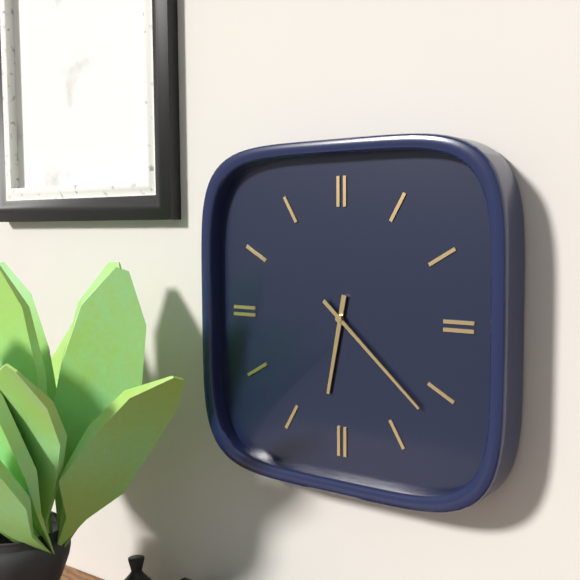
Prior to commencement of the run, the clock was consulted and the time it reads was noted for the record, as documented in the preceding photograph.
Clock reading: 6:22
